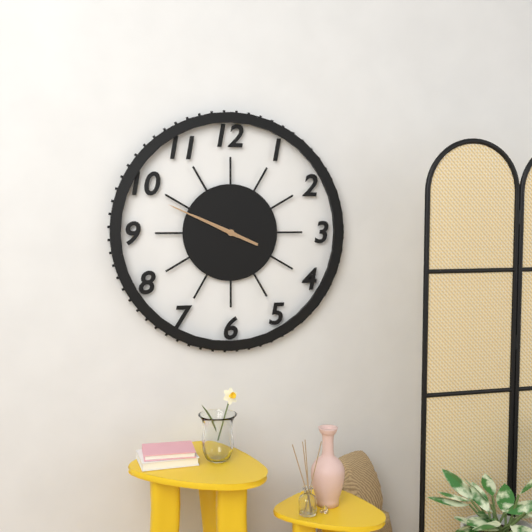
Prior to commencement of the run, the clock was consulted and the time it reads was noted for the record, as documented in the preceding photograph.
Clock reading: 9:49
